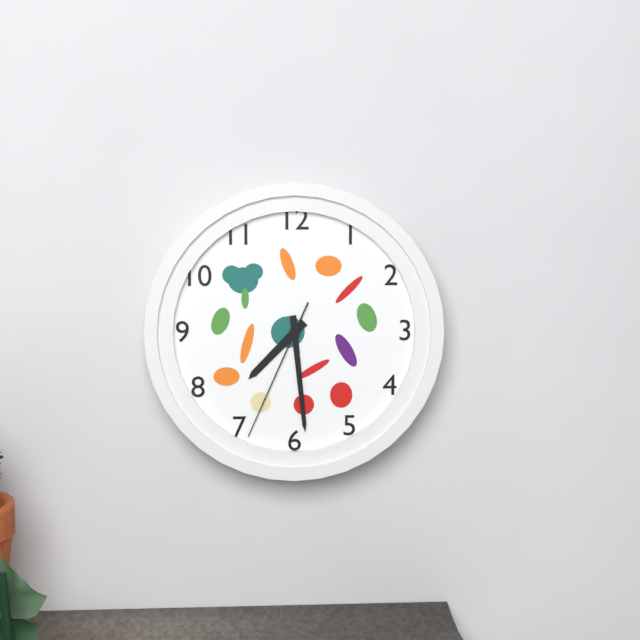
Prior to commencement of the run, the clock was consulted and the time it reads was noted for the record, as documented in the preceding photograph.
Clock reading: 7:29:34
